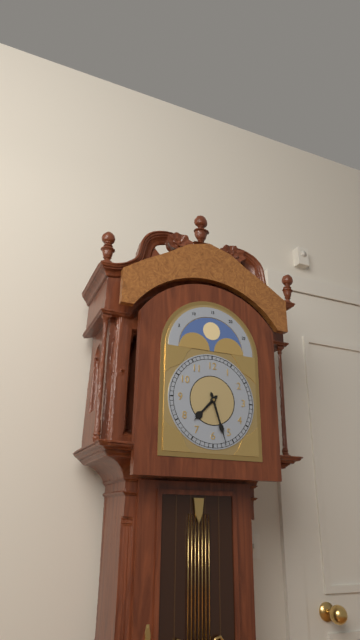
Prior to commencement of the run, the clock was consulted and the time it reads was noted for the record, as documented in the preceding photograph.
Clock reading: 7:27
